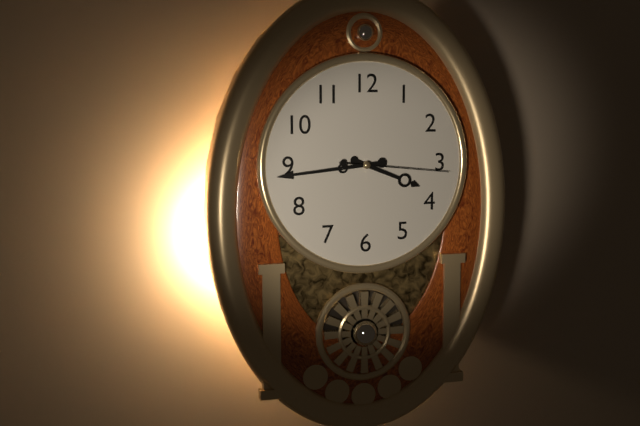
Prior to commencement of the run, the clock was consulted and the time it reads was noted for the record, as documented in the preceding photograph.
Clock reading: 3:44:16
